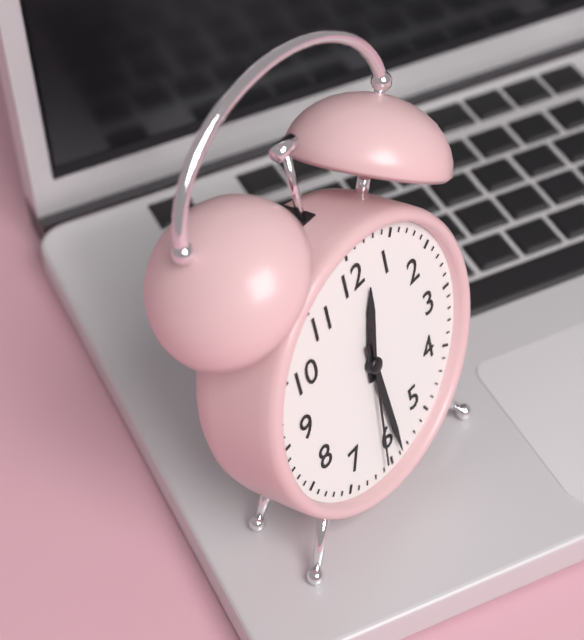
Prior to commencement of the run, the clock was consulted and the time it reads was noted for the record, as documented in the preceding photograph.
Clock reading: 12:29:31
